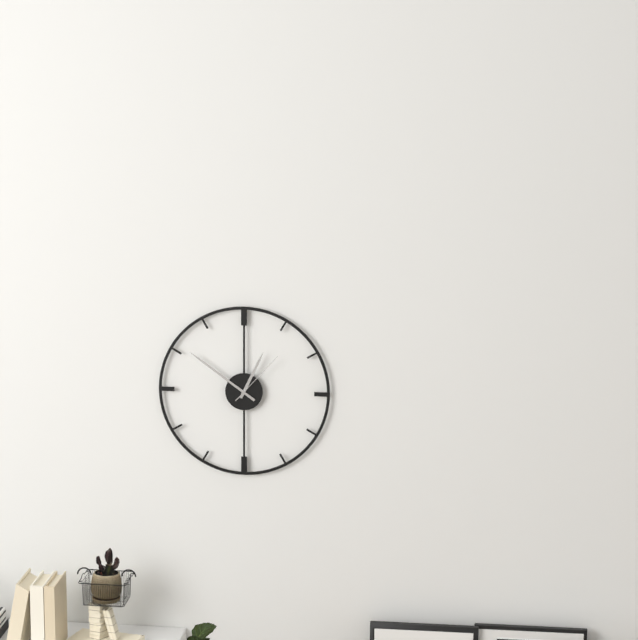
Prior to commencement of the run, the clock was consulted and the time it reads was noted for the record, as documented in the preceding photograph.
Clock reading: 12:51:07
